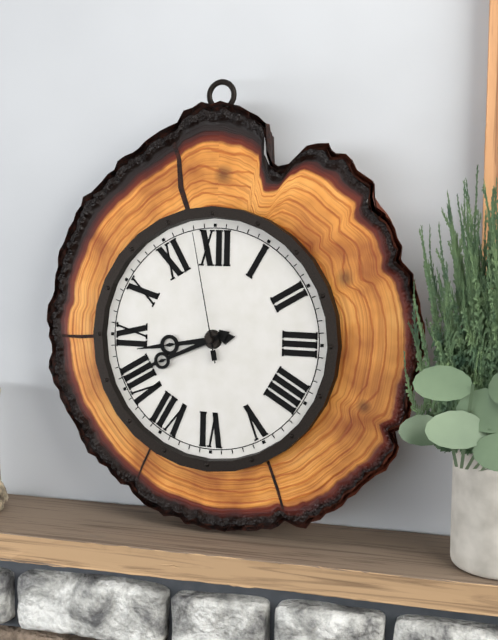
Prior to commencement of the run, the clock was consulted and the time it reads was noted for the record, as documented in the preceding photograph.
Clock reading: 8:41:58
